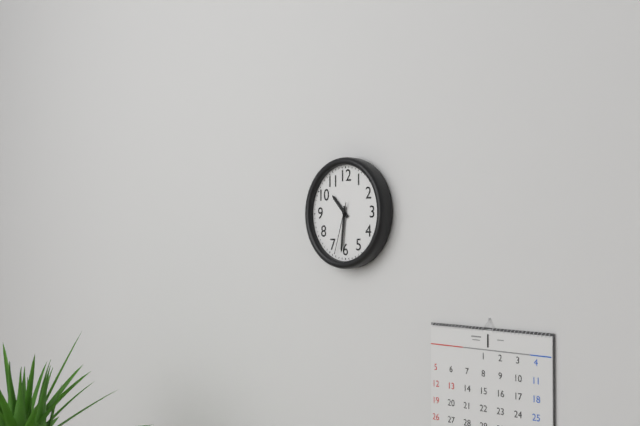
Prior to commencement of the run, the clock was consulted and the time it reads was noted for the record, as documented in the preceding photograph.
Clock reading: 10:31:33
